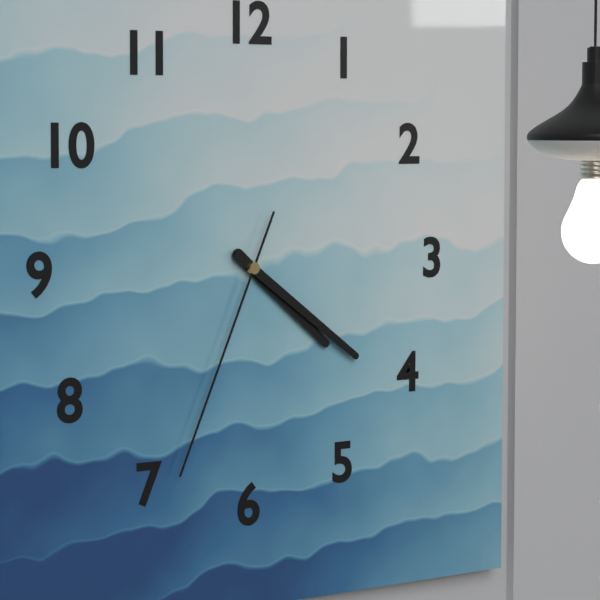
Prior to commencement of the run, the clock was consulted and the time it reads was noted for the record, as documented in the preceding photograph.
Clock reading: 4:21:34
